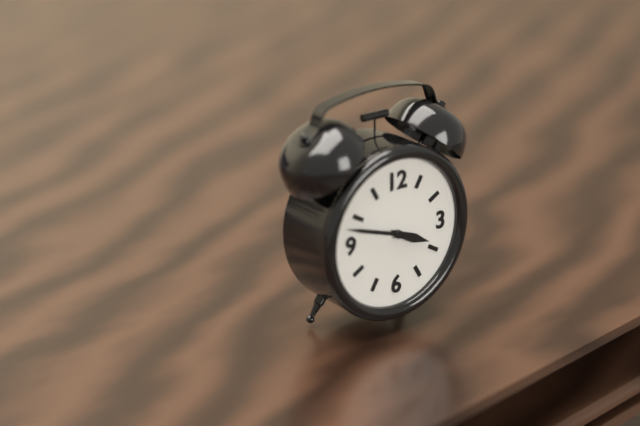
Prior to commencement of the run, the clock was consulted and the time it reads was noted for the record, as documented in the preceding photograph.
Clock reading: 3:48
